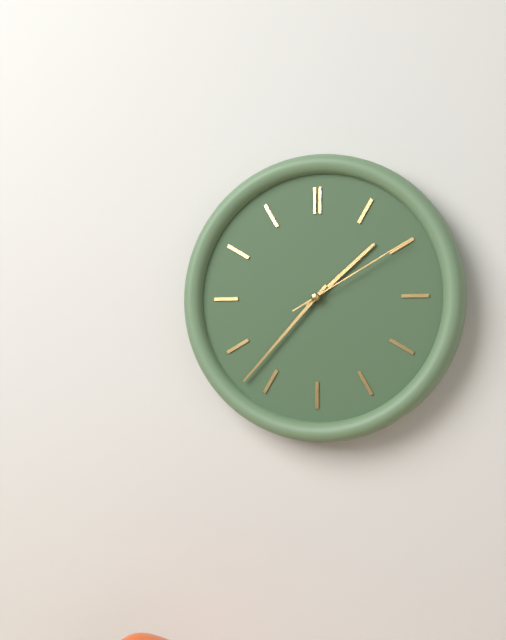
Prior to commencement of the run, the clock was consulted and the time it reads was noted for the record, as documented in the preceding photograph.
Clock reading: 1:37:10
